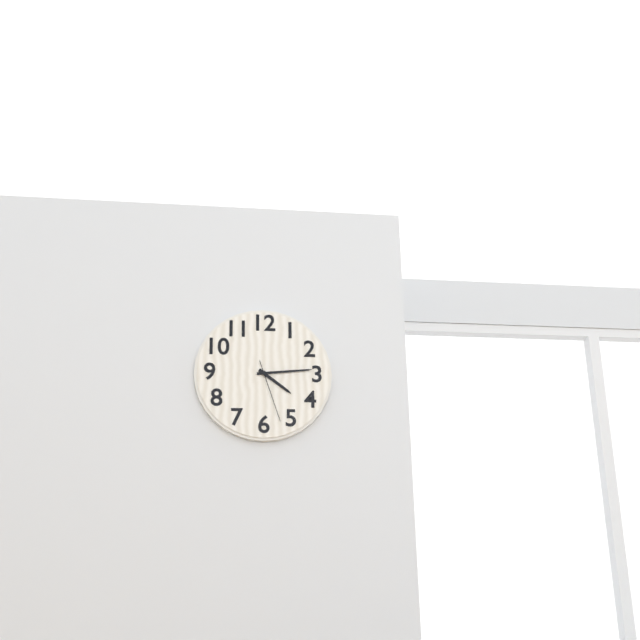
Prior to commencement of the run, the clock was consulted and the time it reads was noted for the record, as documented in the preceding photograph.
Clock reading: 4:14:27
